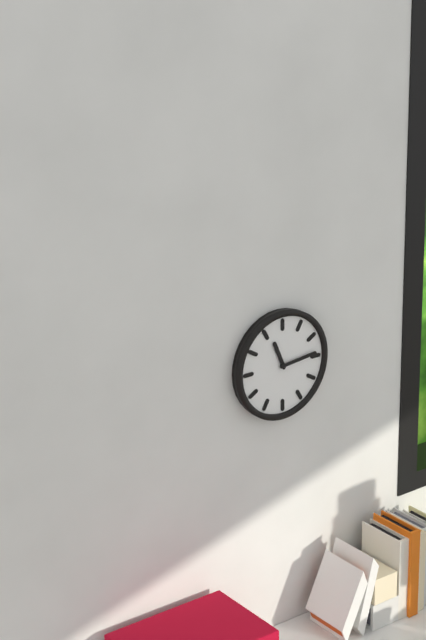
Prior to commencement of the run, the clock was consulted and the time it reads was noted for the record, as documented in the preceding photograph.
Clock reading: 11:14
